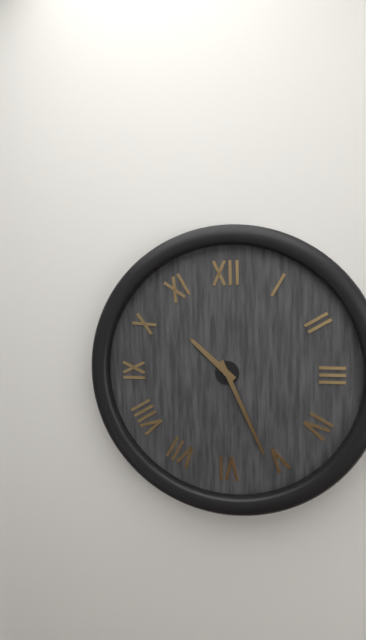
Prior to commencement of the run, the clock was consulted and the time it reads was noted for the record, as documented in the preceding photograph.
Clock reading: 10:26
